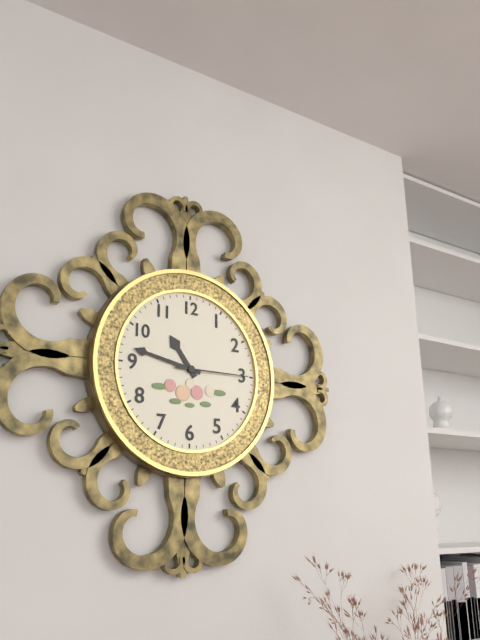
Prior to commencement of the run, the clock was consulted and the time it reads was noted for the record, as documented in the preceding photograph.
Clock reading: 10:47:15
